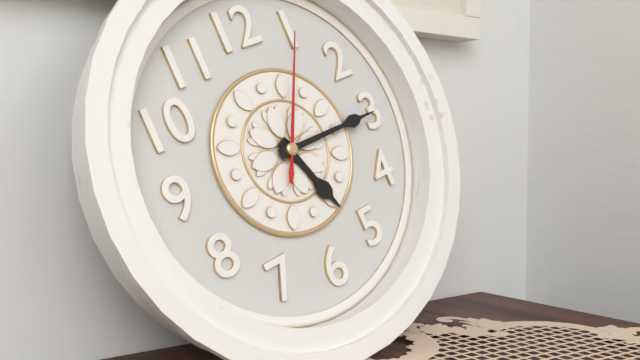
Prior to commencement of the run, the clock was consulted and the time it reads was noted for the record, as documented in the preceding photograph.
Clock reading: 5:15:05
